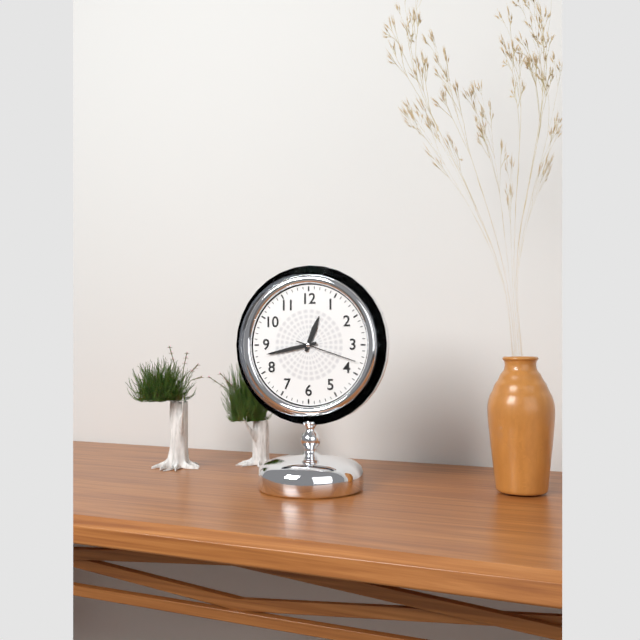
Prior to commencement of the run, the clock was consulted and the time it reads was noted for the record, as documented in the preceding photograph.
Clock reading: 12:43:18
